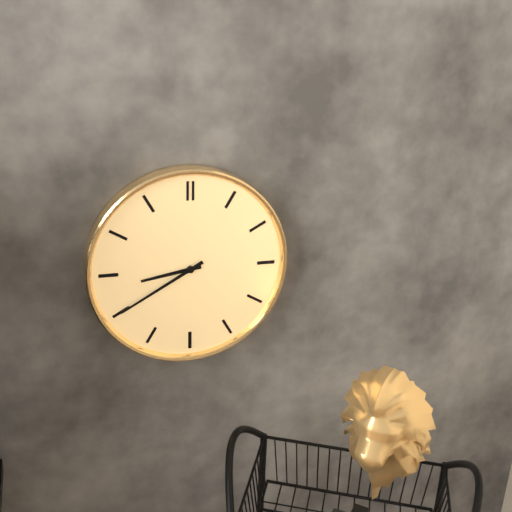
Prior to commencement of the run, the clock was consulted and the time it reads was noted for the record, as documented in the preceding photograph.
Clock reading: 8:40
